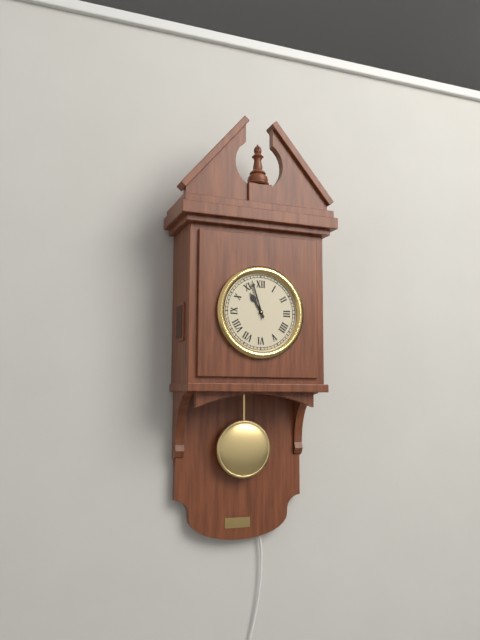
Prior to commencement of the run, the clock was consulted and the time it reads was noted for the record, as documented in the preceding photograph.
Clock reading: 10:57
